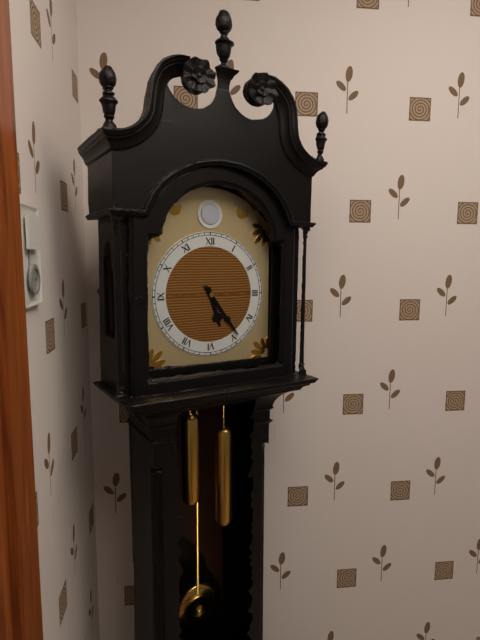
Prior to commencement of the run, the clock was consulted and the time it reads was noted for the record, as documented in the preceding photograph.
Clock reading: 5:24
